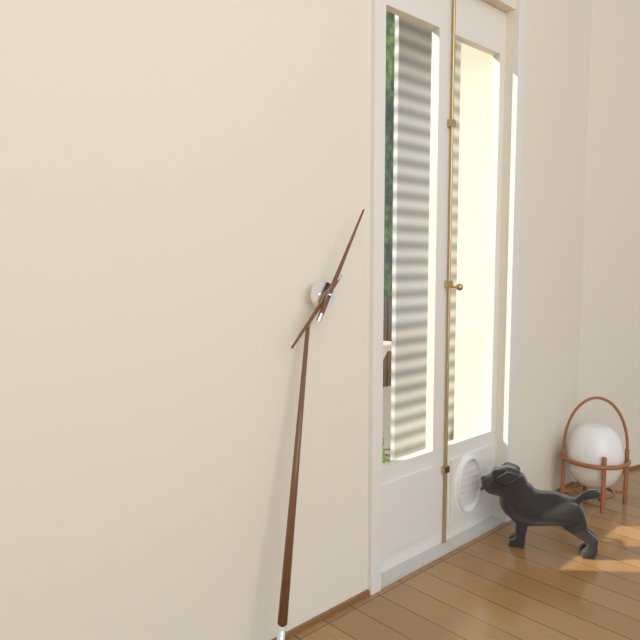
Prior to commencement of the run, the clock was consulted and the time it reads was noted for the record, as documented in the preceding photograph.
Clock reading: 7:03
